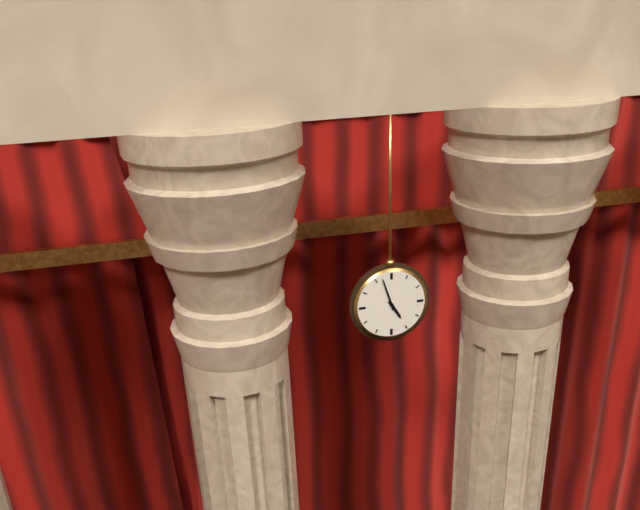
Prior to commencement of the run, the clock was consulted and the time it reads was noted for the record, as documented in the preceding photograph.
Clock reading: 4:57
